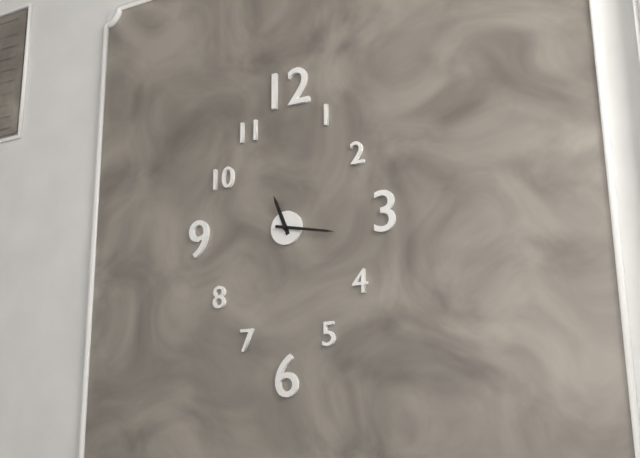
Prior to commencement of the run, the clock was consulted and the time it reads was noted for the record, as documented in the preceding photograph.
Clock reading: 11:17
